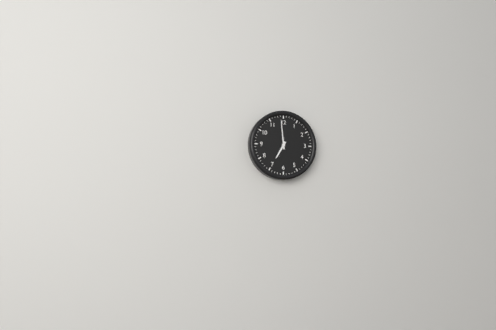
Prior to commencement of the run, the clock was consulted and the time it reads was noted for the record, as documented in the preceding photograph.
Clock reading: 6:59
